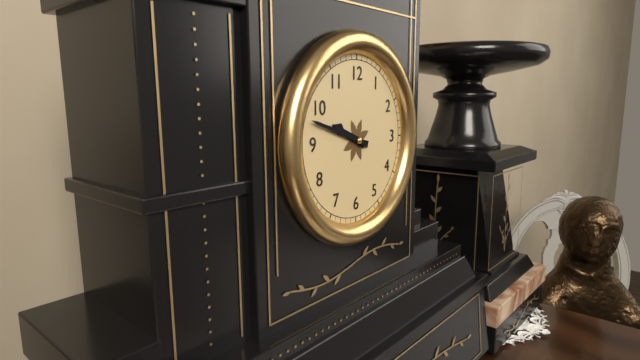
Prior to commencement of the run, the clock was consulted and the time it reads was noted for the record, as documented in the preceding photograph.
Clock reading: 9:48
